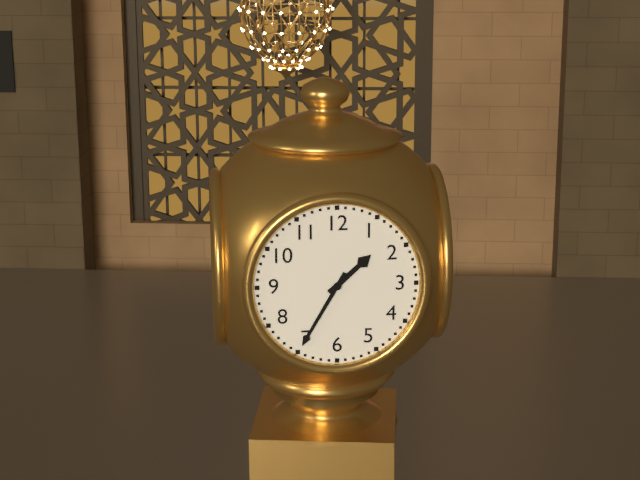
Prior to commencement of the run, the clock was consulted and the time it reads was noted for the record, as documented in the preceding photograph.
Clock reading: 1:35
